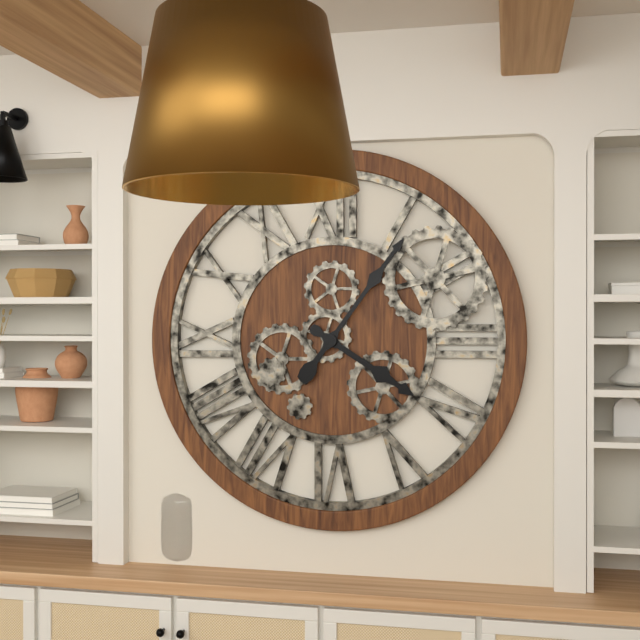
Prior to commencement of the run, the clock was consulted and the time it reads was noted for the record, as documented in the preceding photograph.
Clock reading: 4:06
